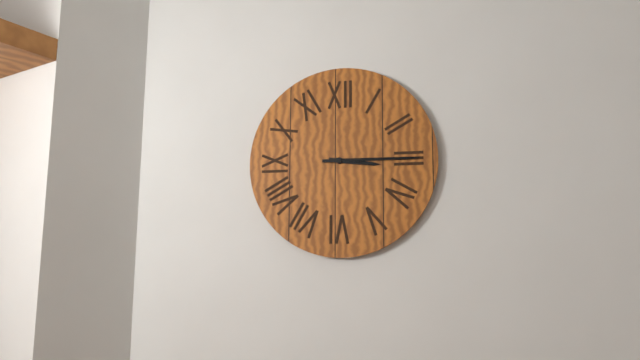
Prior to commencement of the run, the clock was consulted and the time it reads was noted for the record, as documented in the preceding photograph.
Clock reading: 3:15
